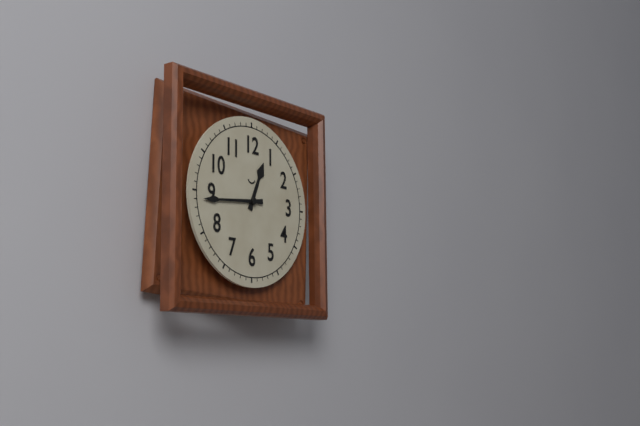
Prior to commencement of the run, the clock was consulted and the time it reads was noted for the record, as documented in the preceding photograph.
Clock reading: 12:44
